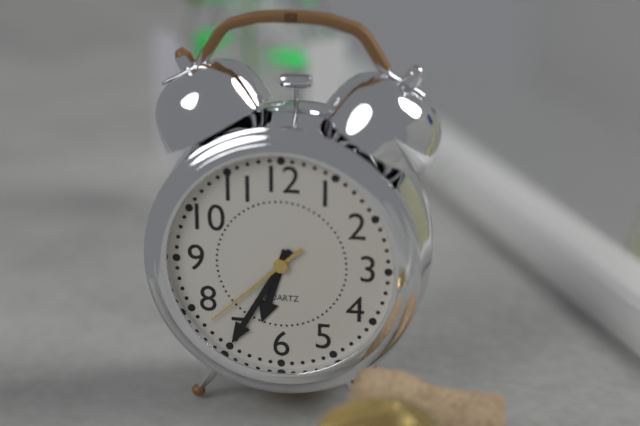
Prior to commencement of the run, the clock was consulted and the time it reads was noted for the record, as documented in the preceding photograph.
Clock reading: 6:35:38
